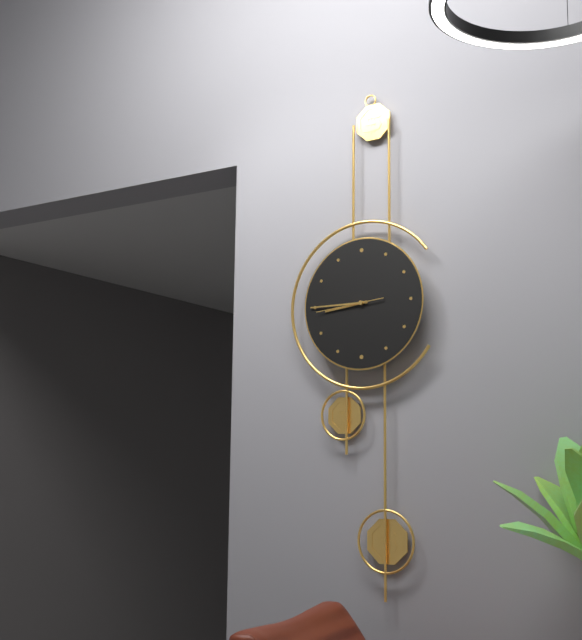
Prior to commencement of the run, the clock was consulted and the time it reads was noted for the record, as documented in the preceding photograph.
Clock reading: 8:45:44
